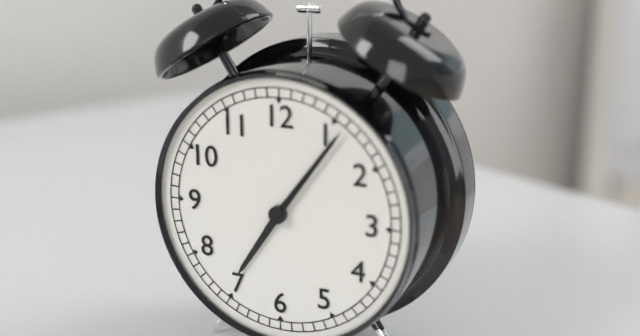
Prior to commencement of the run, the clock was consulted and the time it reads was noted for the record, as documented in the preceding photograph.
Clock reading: 7:06
